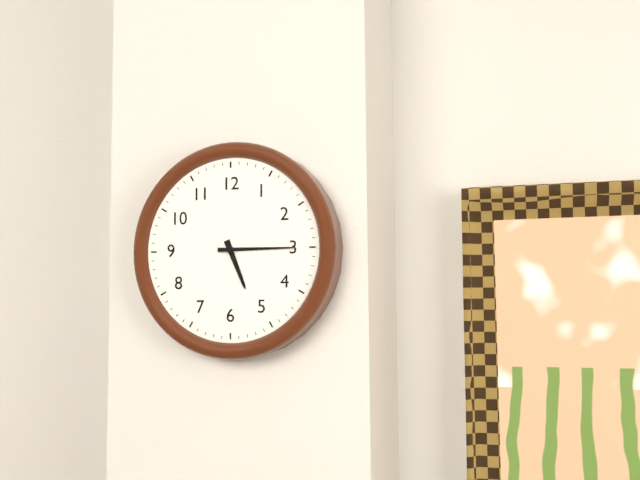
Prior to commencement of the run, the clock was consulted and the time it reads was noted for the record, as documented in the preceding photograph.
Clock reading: 5:15
